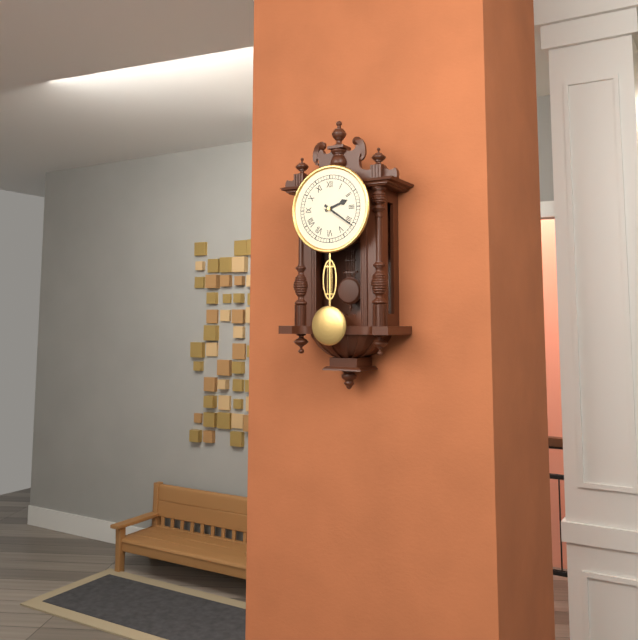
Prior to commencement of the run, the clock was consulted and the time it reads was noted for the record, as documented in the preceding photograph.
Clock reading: 2:21
